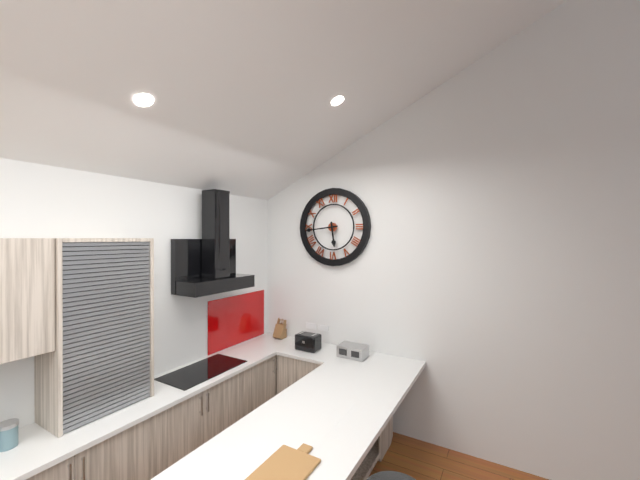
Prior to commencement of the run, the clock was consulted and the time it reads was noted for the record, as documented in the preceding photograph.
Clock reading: 5:44
